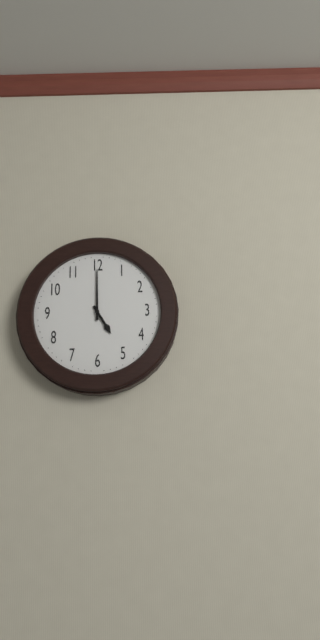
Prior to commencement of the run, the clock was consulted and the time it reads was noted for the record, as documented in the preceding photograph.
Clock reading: 5:00
